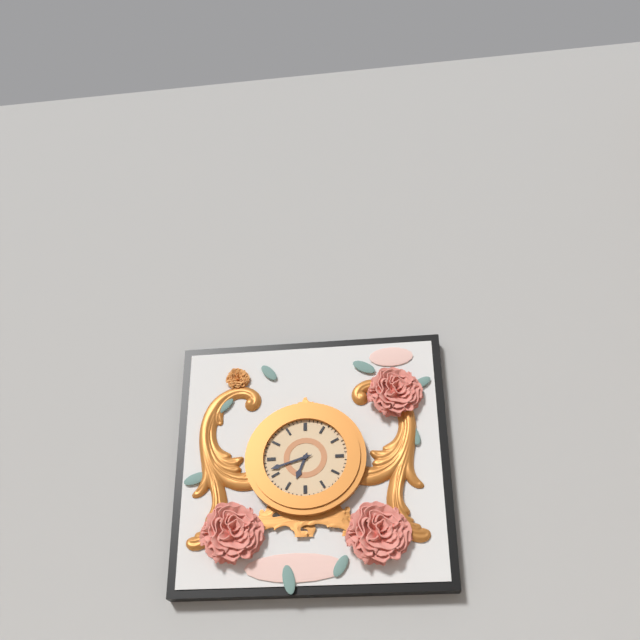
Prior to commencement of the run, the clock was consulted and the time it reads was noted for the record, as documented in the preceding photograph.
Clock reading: 6:42
